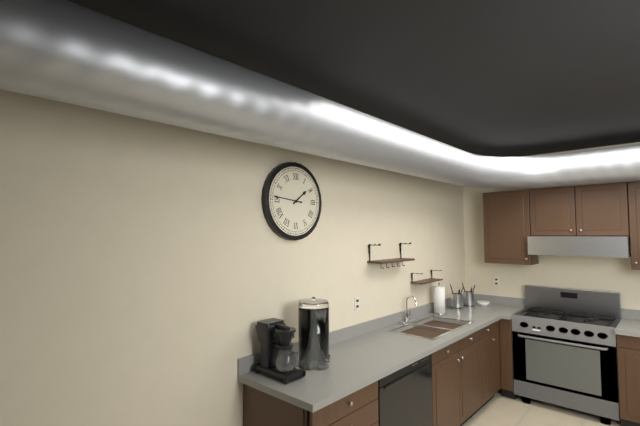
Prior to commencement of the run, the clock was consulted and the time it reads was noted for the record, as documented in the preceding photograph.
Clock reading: 1:46
